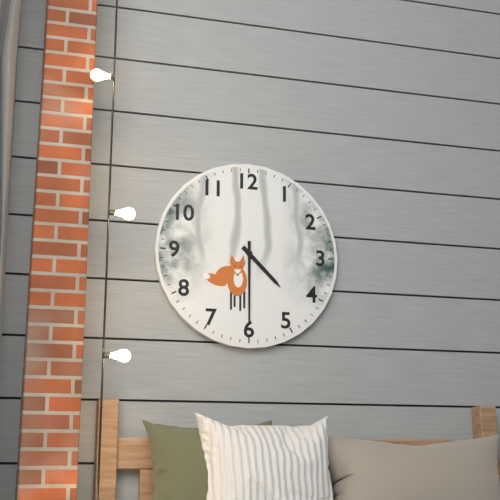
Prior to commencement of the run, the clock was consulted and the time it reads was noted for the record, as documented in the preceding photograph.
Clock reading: 4:30
